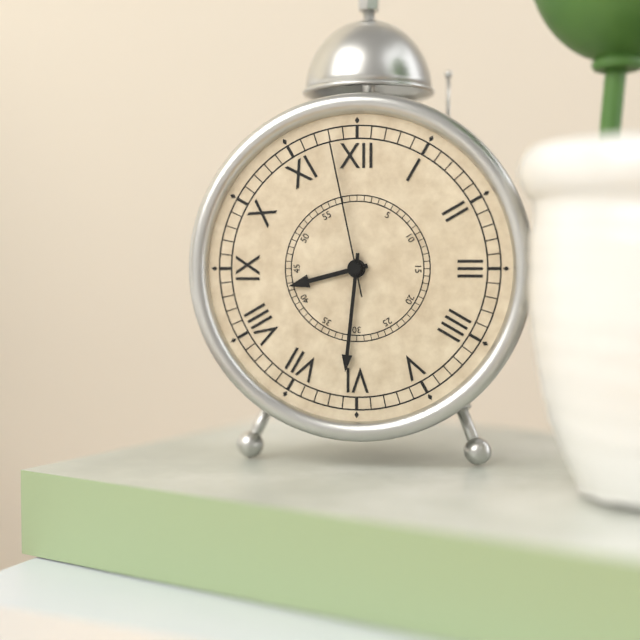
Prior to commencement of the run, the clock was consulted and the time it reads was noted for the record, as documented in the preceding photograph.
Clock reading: 8:31:58
